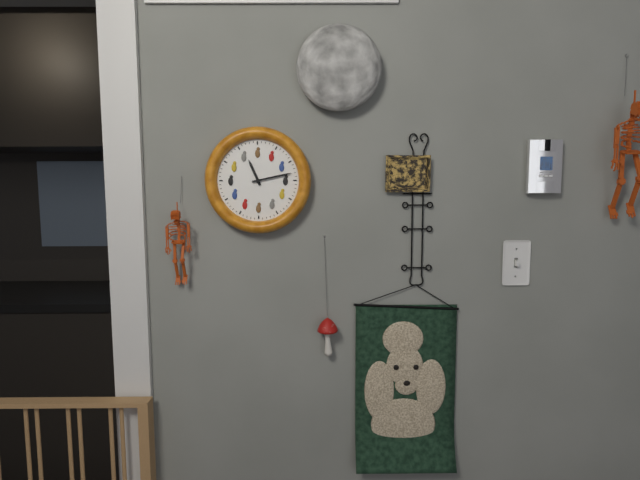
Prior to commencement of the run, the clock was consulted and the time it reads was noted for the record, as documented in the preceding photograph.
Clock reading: 11:13
